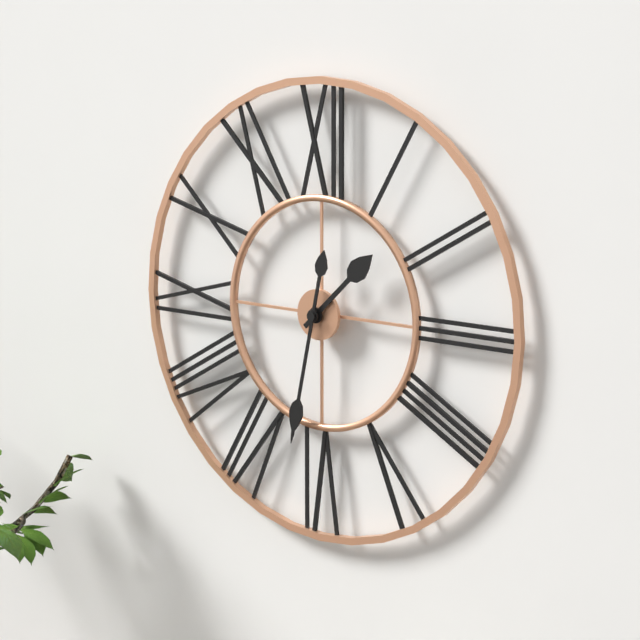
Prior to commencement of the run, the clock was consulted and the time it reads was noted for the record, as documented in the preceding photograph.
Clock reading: 1:32
